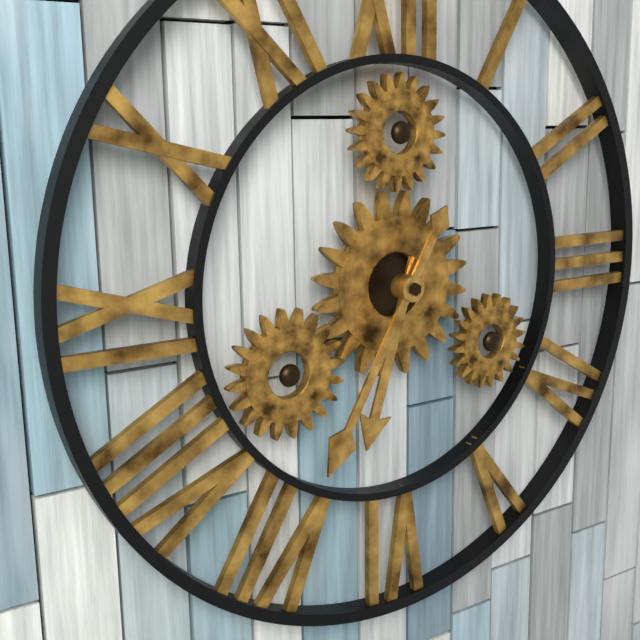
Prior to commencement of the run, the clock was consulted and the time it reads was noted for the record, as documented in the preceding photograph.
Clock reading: 6:35
